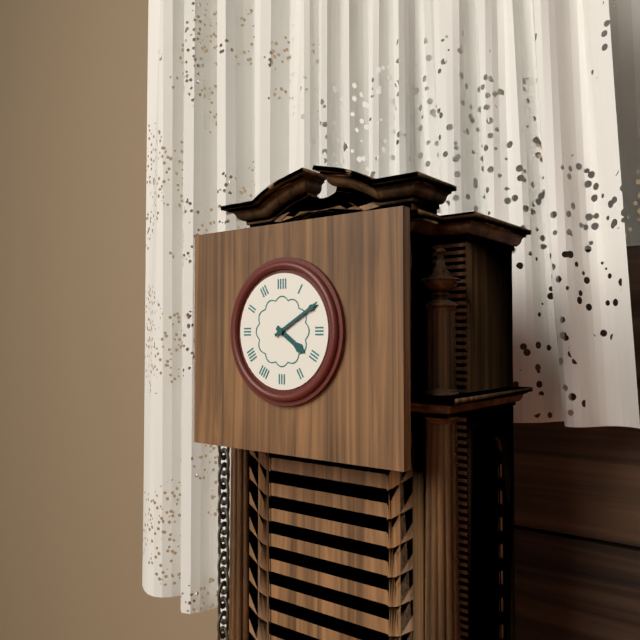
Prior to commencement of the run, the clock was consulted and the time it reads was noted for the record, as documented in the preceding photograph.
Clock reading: 4:10
